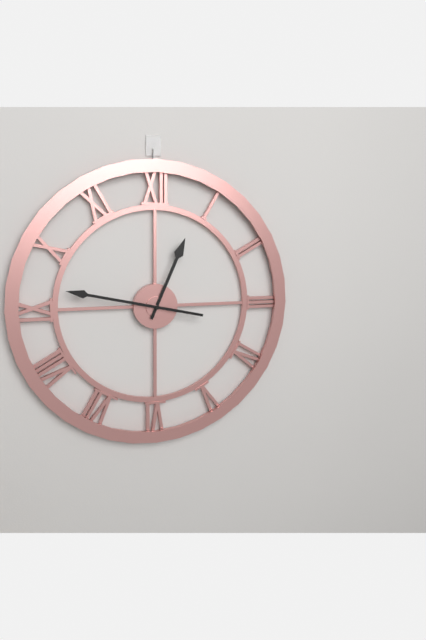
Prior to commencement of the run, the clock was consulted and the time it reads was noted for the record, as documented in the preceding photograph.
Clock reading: 12:47
